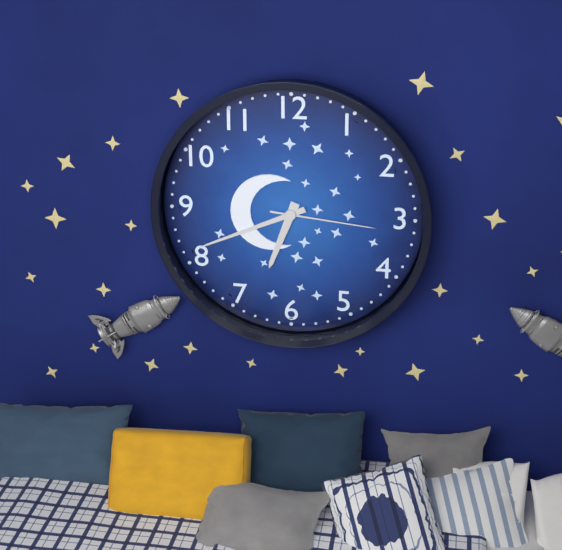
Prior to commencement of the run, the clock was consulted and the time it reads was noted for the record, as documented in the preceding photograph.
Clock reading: 6:41:16
